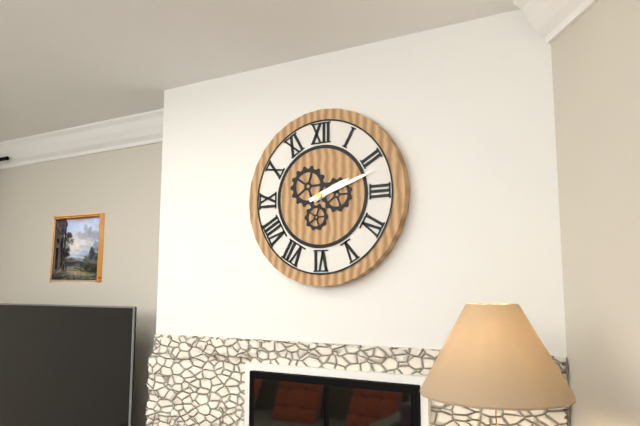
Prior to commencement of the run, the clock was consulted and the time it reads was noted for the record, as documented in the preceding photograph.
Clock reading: 2:12
